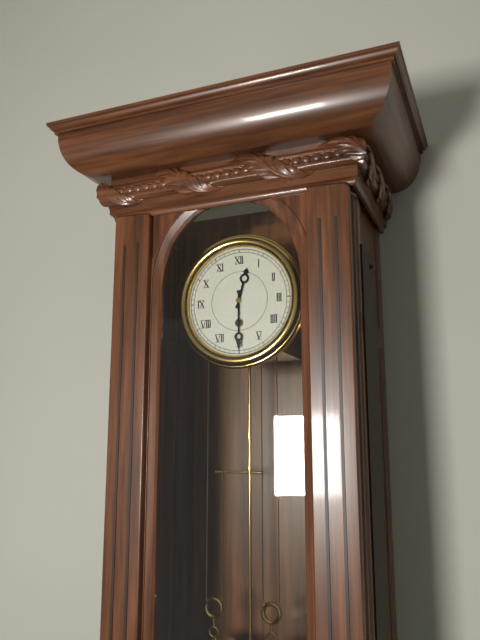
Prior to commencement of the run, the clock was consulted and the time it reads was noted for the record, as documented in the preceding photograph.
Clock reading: 12:30
